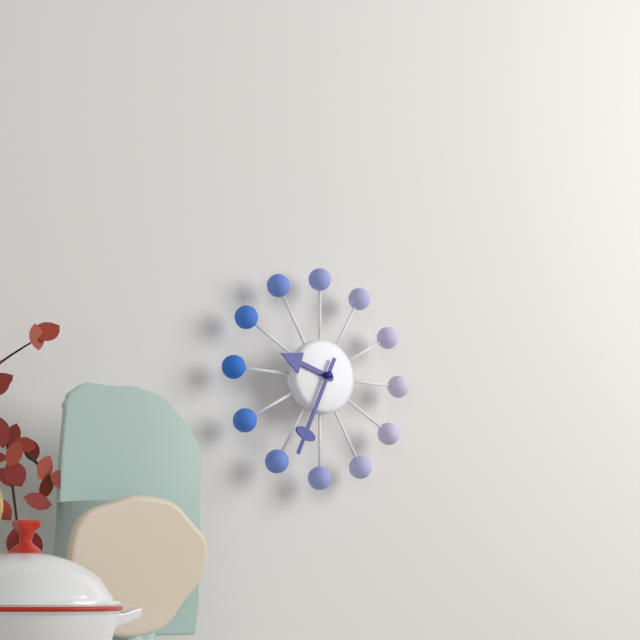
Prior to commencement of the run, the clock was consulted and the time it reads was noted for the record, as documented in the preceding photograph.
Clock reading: 9:34
